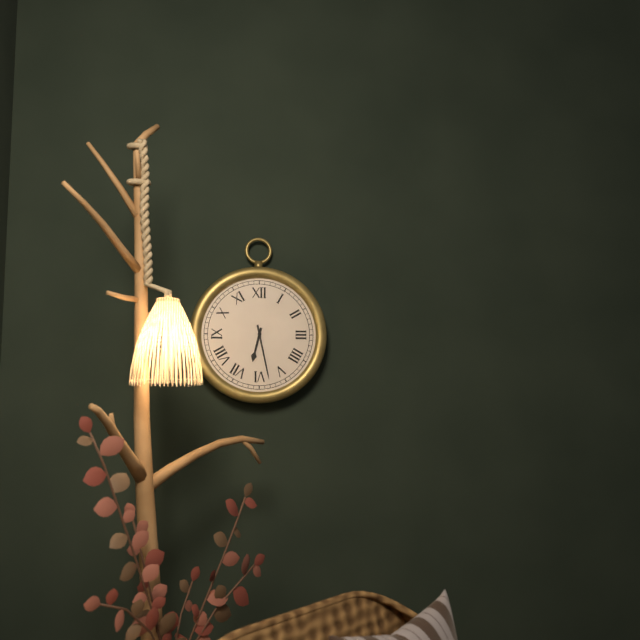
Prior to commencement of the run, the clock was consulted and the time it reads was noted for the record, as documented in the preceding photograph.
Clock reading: 6:28
